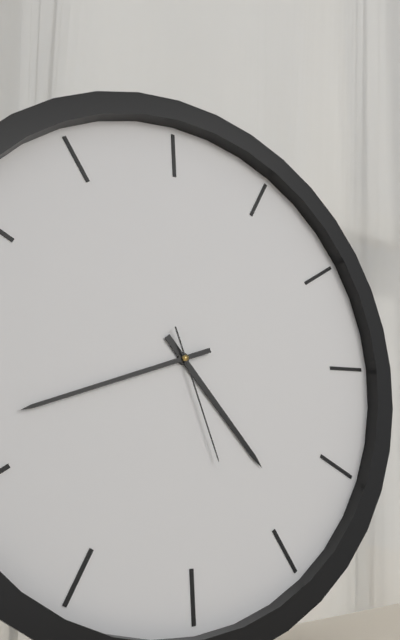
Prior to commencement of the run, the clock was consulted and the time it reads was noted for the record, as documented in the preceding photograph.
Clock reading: 4:42:27
